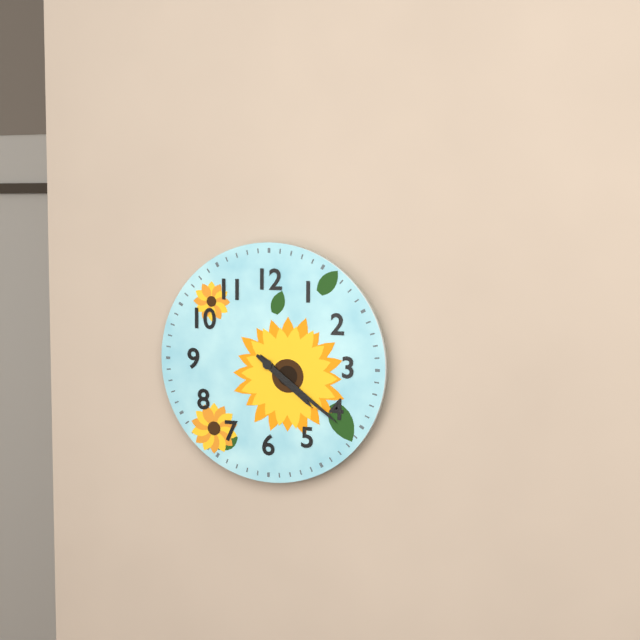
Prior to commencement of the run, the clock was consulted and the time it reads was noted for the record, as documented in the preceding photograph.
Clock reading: 4:21
